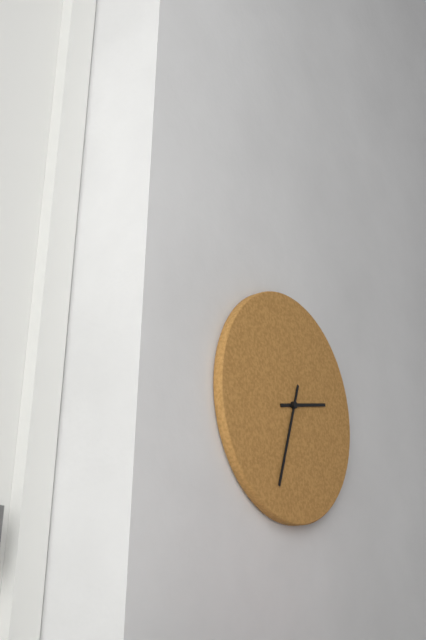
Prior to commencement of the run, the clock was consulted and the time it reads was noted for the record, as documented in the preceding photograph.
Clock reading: 2:33
